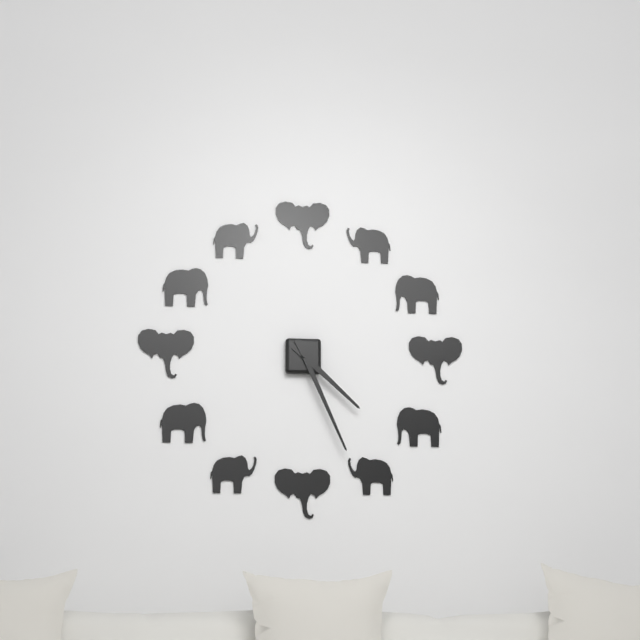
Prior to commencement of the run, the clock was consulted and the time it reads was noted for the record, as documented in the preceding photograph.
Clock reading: 4:26
